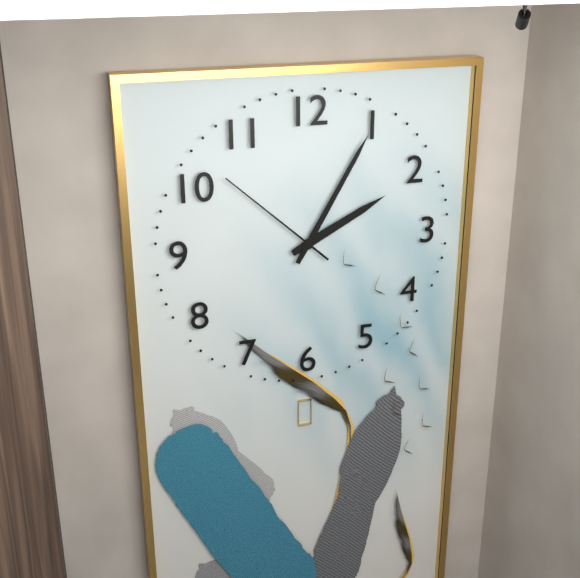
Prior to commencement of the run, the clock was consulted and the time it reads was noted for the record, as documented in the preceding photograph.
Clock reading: 2:05:52
